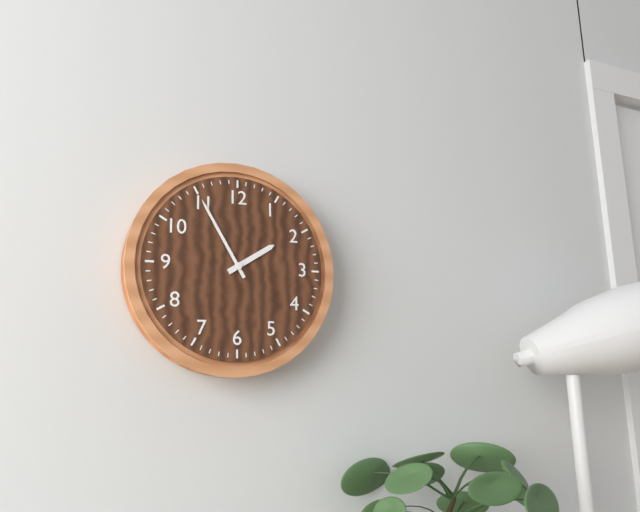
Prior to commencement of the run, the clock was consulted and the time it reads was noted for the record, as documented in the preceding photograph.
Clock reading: 1:55
